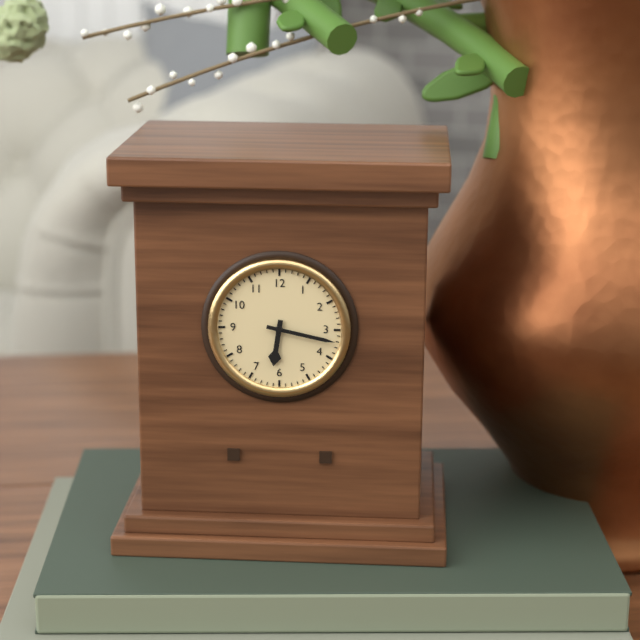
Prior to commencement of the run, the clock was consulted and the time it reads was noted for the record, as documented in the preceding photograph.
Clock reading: 6:17
